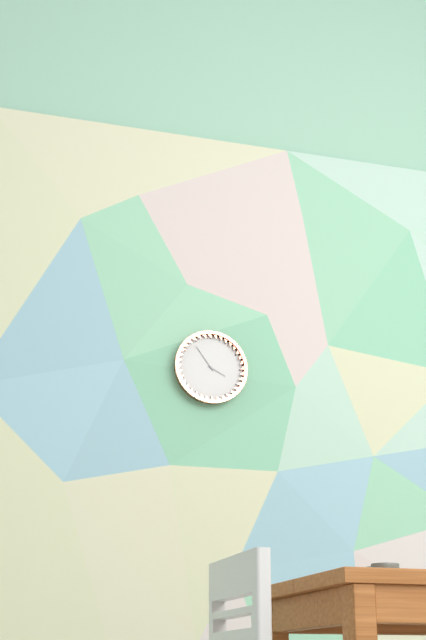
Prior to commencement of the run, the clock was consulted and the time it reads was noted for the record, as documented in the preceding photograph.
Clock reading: 3:54
